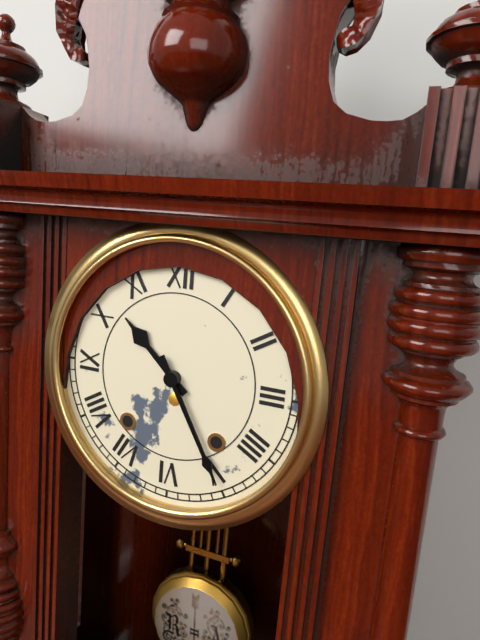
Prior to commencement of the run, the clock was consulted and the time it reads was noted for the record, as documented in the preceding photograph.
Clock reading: 10:25
